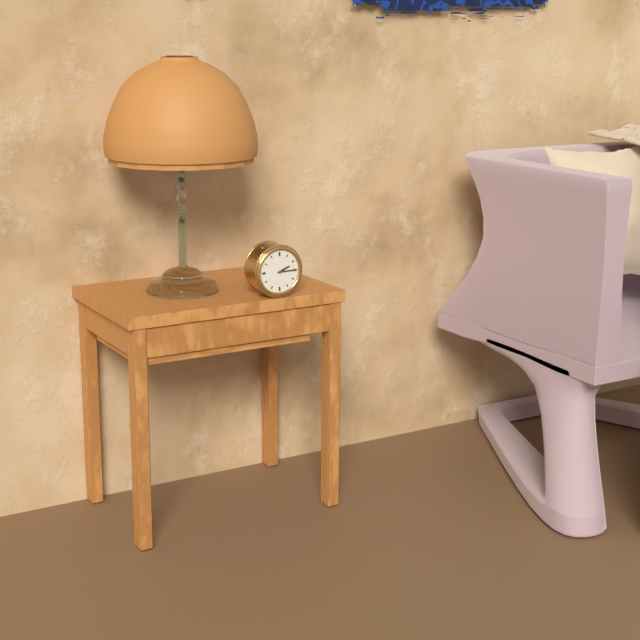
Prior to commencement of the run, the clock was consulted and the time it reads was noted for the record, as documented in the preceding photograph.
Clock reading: 2:15
